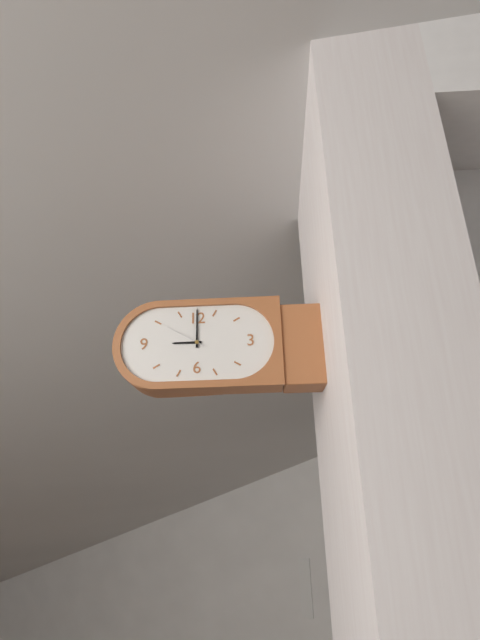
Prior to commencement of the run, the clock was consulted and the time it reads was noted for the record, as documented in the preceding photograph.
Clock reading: 9:00
